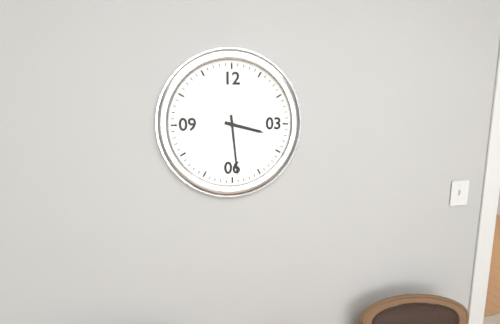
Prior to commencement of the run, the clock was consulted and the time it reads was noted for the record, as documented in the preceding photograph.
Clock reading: 3:29
